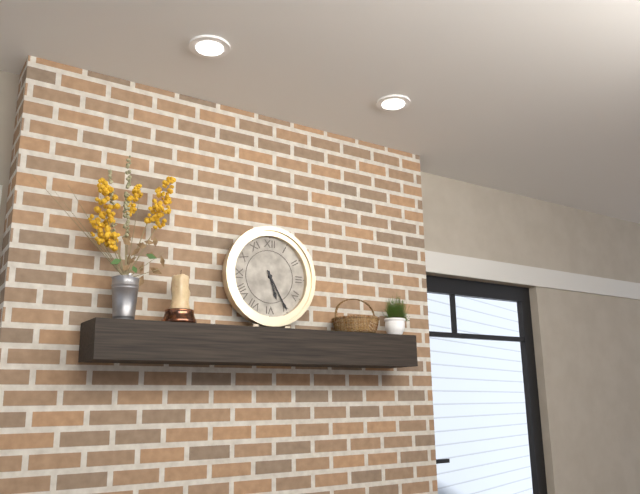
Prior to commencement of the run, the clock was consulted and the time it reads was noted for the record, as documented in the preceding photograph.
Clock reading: 5:25
